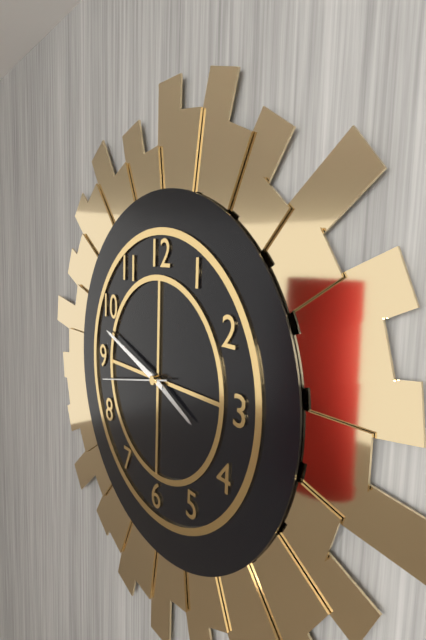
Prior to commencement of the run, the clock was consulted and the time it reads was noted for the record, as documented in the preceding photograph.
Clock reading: 3:48:43
